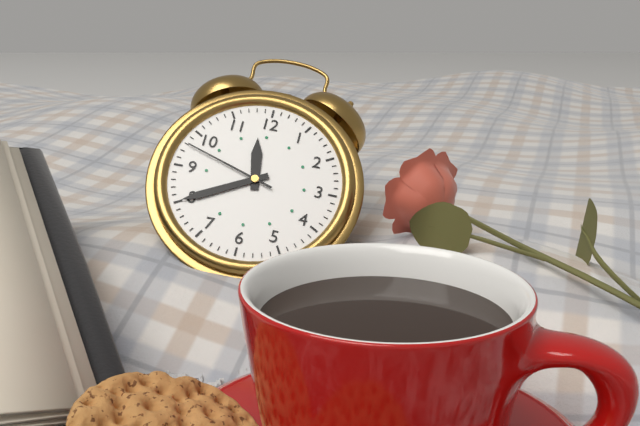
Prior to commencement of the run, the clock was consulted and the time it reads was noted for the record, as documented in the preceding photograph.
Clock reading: 11:40:48
